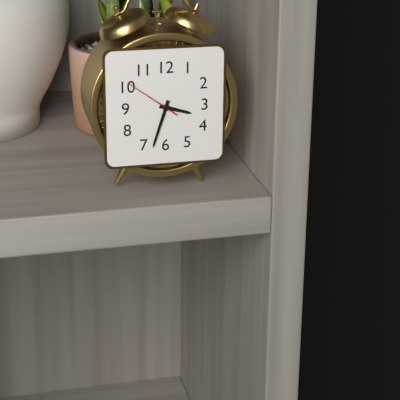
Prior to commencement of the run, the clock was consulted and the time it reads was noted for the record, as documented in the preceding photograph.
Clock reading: 3:33:51
